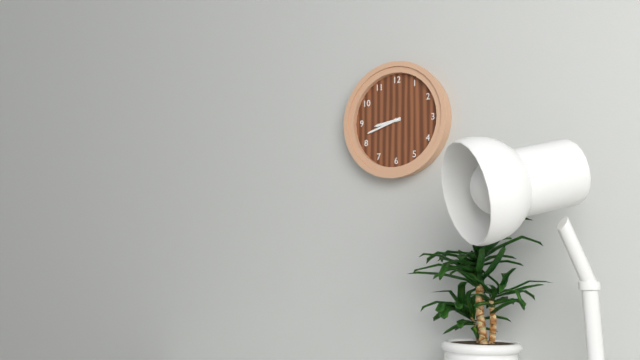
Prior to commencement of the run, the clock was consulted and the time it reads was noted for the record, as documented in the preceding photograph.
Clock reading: 8:42
